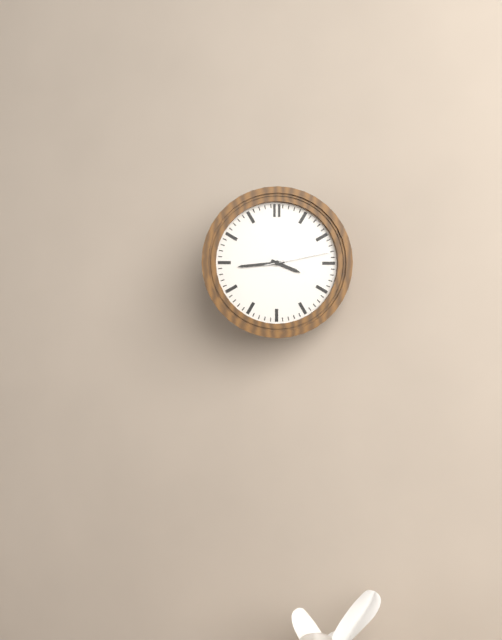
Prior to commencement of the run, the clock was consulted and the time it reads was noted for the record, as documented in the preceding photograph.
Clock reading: 3:44:13
